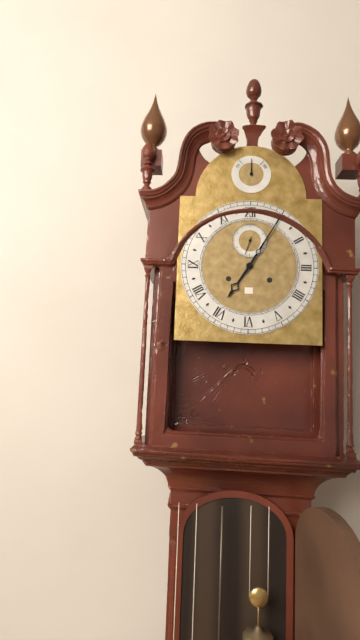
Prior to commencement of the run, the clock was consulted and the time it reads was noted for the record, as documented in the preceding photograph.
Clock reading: 7:05
